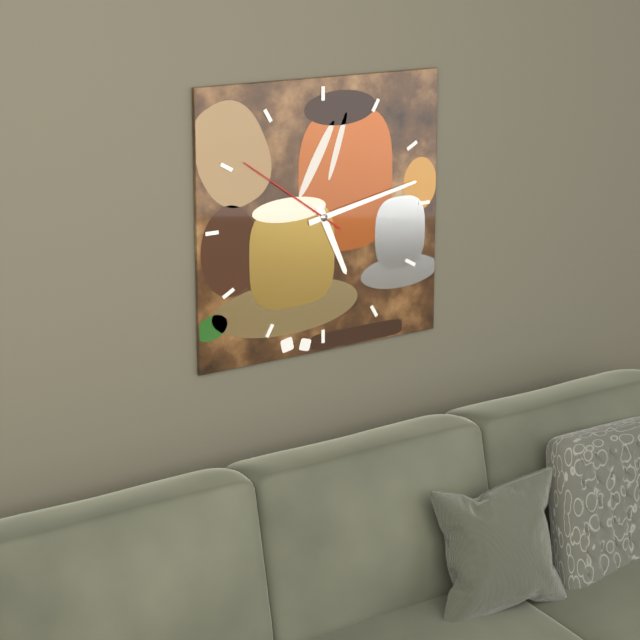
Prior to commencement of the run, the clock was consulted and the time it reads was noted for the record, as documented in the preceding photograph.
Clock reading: 5:13:51
